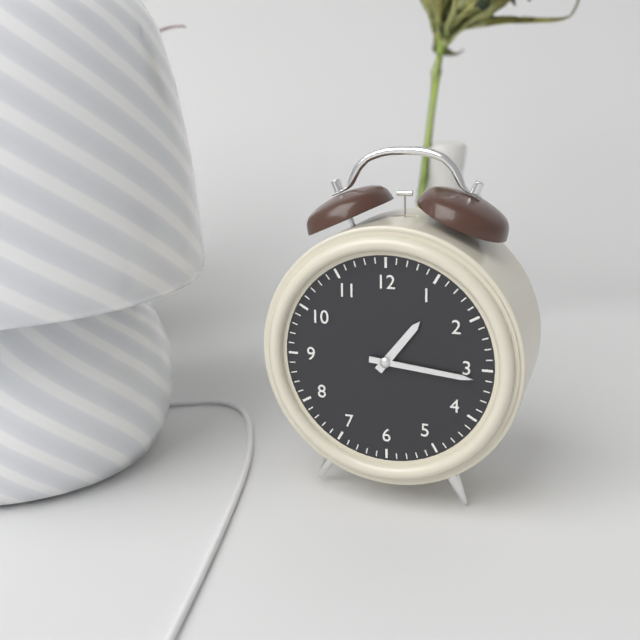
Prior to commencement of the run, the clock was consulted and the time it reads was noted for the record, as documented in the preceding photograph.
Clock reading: 1:16
